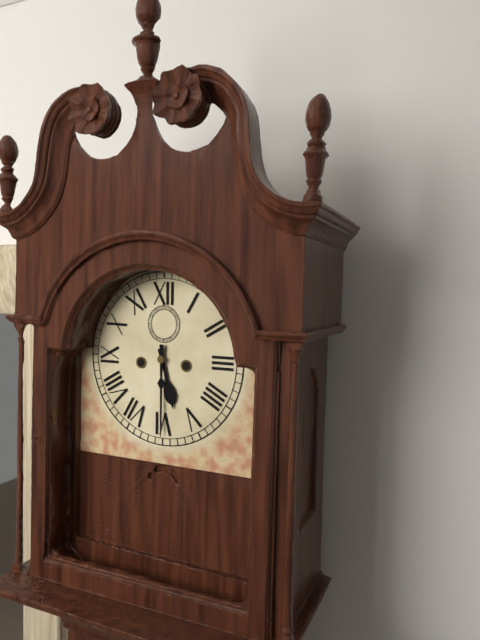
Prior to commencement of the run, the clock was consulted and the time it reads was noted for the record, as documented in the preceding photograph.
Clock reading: 5:30
